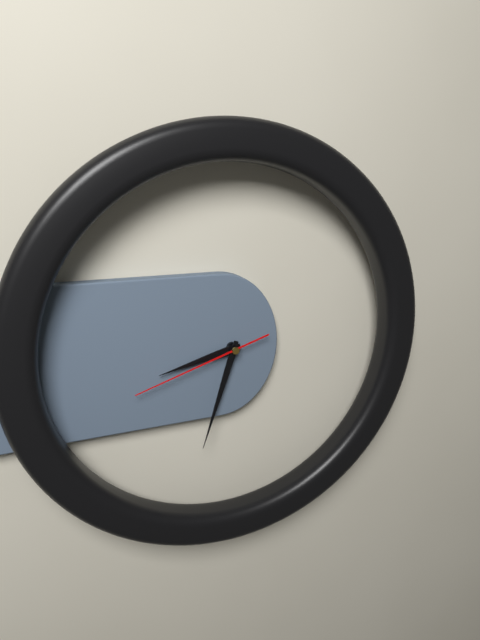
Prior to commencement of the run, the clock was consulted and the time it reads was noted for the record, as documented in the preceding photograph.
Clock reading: 8:33:42
